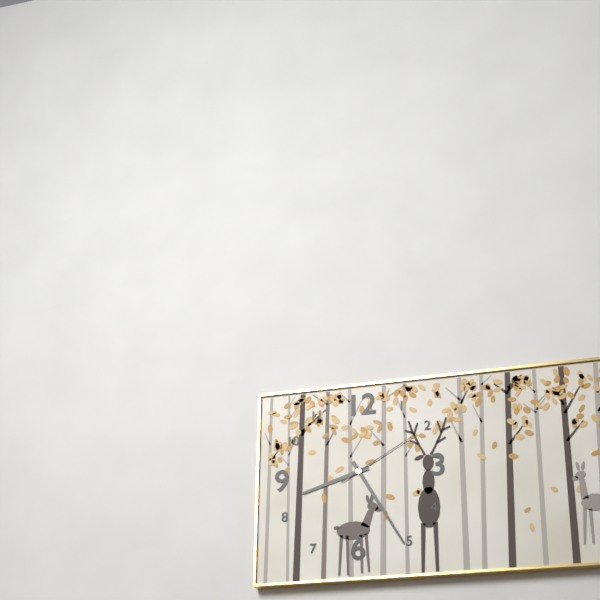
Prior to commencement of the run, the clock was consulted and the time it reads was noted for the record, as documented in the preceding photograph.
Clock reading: 8:25:10
